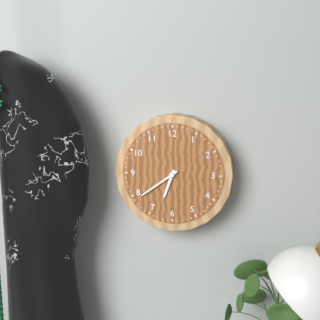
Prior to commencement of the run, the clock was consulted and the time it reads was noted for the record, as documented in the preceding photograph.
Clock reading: 6:39
